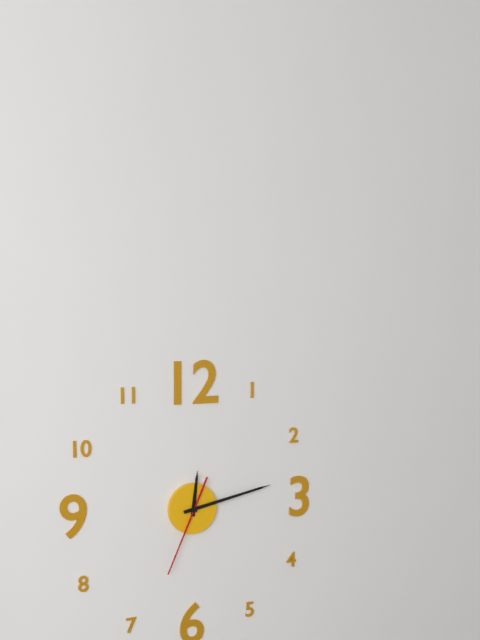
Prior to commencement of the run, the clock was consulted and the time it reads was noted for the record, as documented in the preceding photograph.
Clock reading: 12:13:34
